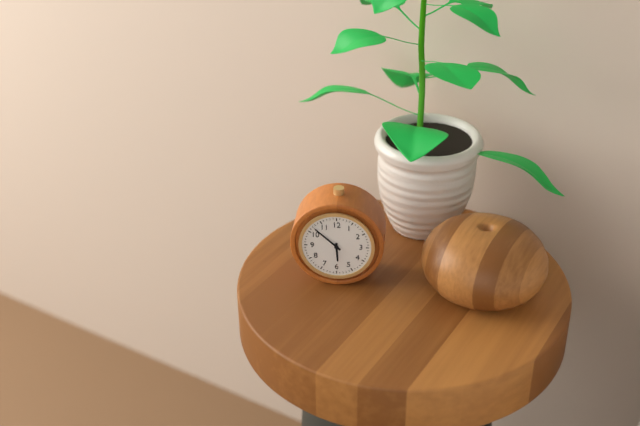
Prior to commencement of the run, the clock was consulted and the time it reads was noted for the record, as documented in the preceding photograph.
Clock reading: 5:52
